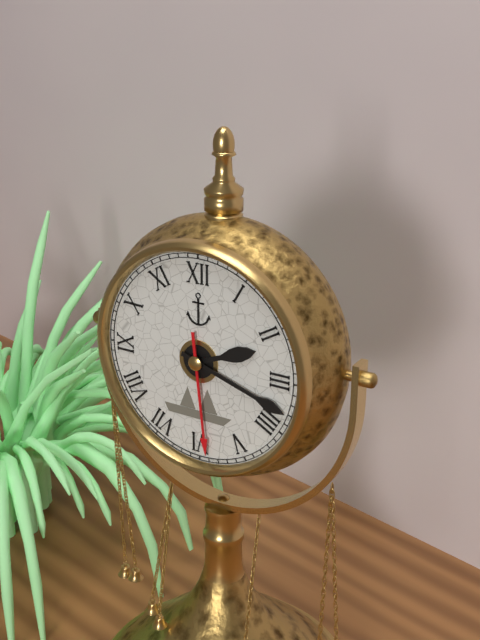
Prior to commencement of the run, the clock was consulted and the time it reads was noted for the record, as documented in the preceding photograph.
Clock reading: 2:18:29
